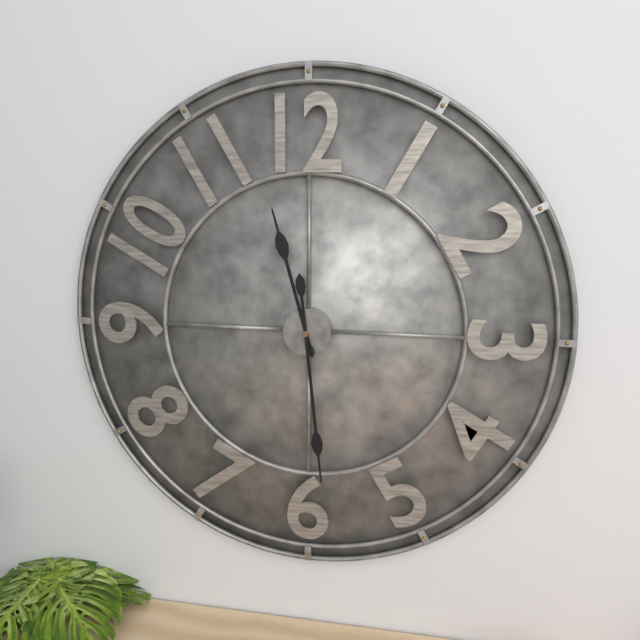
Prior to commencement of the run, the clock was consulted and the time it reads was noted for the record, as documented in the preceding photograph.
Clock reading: 11:29
